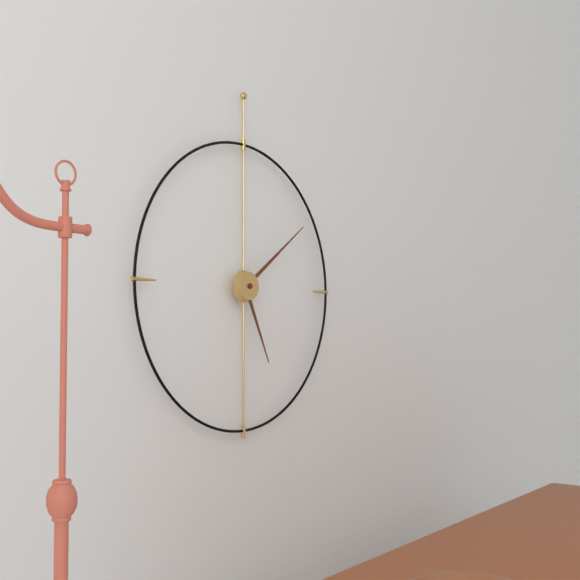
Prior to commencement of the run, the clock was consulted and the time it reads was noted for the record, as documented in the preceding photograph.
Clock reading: 5:09
